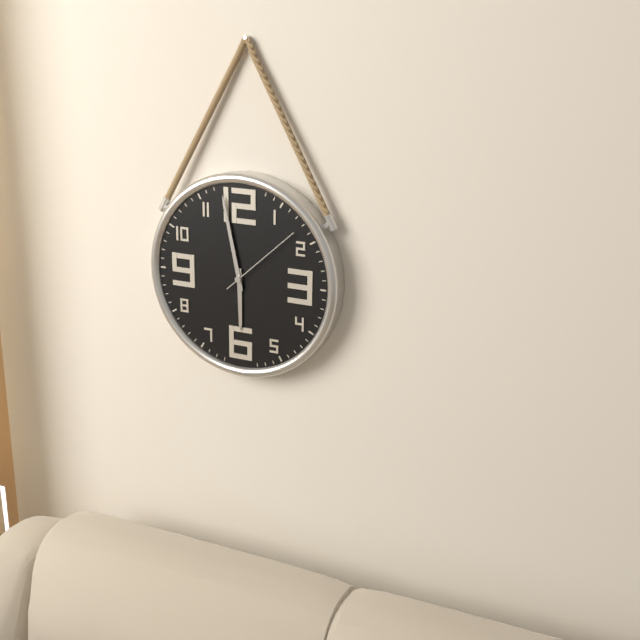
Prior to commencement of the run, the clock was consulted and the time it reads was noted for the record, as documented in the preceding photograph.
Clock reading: 5:58:08
